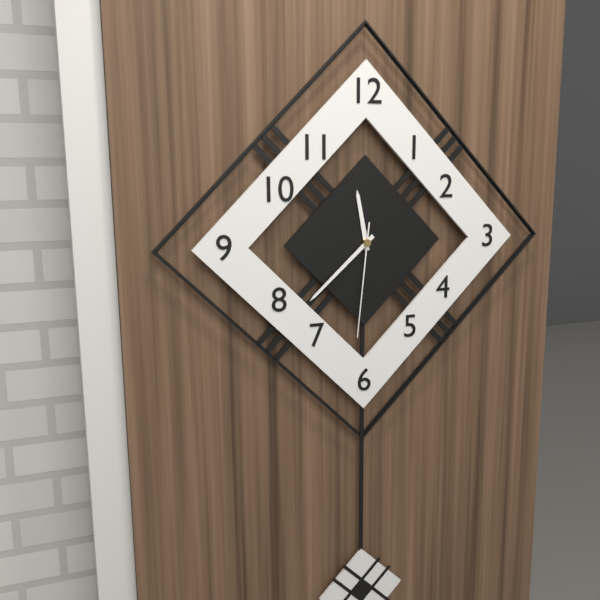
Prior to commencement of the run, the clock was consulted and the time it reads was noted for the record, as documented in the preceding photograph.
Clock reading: 11:38:31
